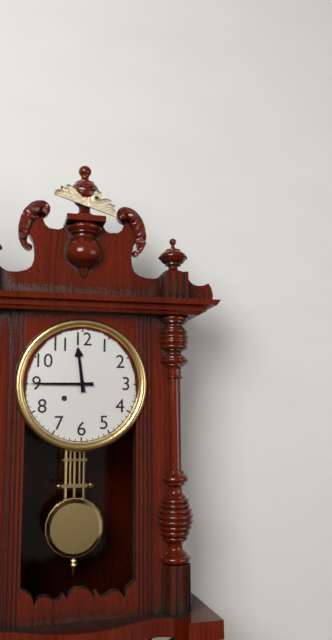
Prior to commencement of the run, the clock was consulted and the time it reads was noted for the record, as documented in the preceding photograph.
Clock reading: 11:45
